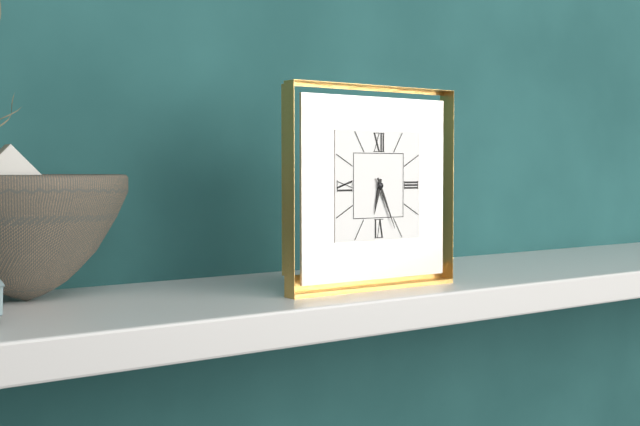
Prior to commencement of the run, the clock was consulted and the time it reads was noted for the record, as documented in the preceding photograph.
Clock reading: 6:26
